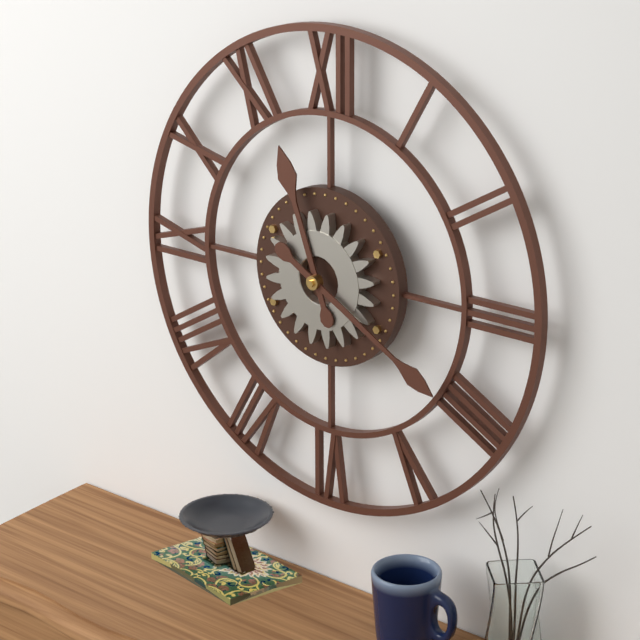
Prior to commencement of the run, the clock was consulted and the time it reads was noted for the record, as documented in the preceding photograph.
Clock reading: 11:20
